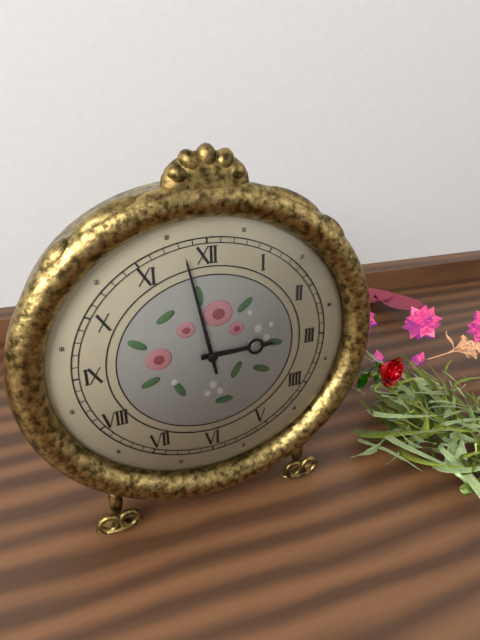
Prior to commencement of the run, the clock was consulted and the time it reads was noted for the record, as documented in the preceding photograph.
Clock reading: 2:58
